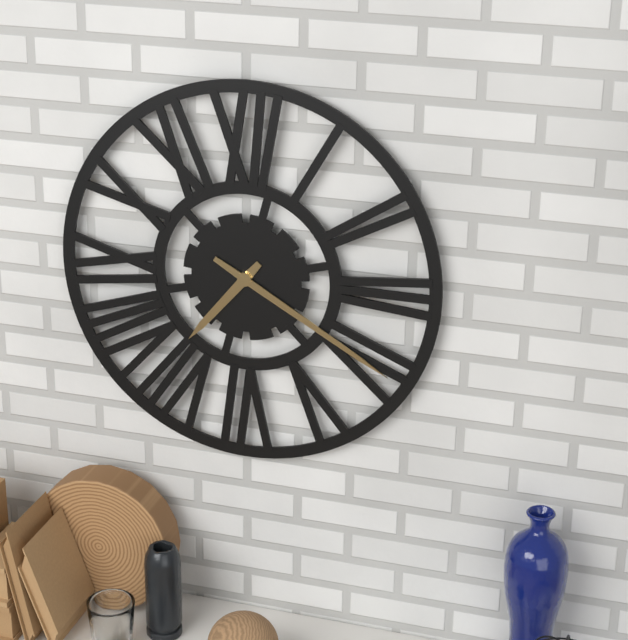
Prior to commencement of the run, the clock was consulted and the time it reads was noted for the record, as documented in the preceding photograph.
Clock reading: 7:20
